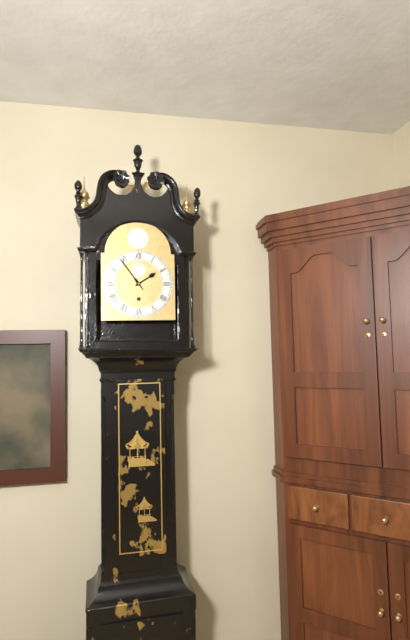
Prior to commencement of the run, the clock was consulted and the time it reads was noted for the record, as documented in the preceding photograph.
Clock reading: 1:54
